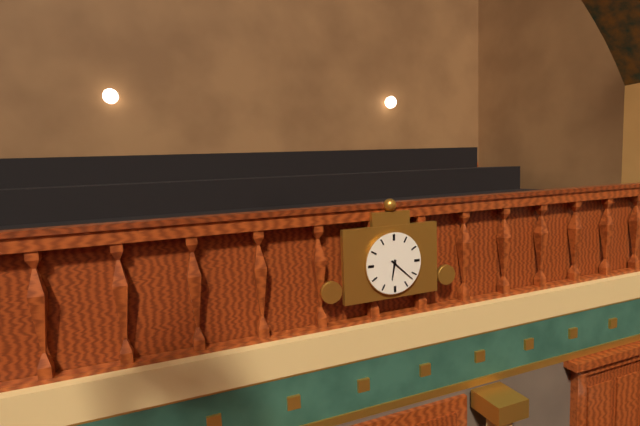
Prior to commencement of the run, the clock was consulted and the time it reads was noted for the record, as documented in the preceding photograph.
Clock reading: 6:22
